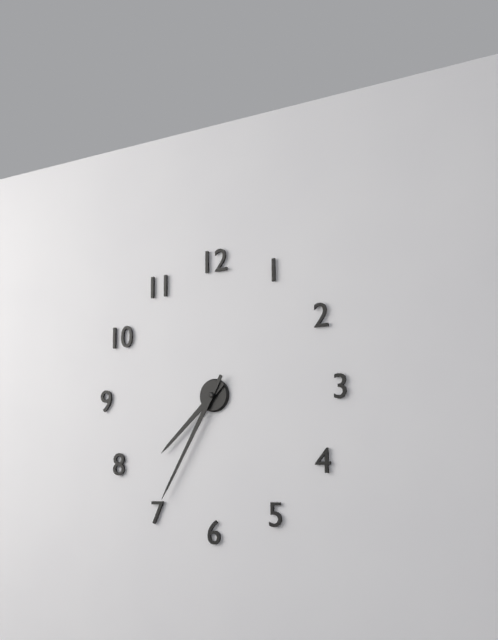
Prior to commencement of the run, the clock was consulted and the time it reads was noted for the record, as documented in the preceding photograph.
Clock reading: 7:35
